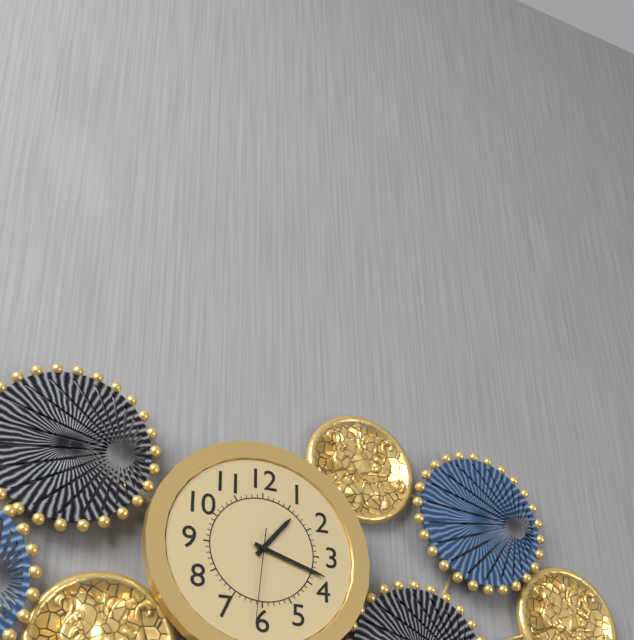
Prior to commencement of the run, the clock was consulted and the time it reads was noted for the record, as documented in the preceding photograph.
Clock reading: 1:18:31
